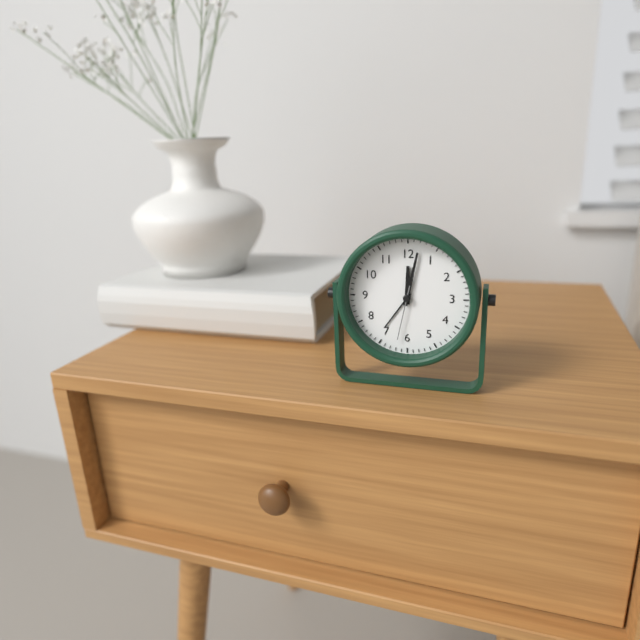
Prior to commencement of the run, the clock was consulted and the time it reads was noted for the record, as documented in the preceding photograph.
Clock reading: 12:02:32
